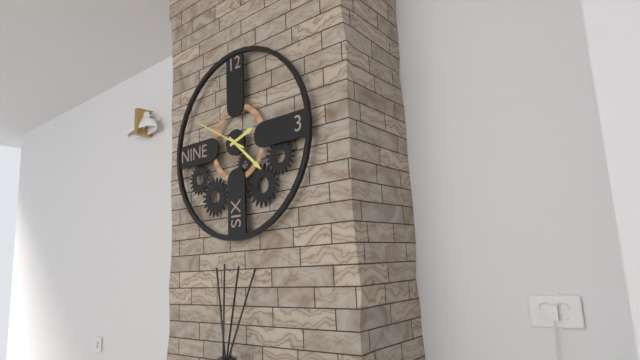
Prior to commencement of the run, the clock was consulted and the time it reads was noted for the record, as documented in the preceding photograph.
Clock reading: 2:22:50
